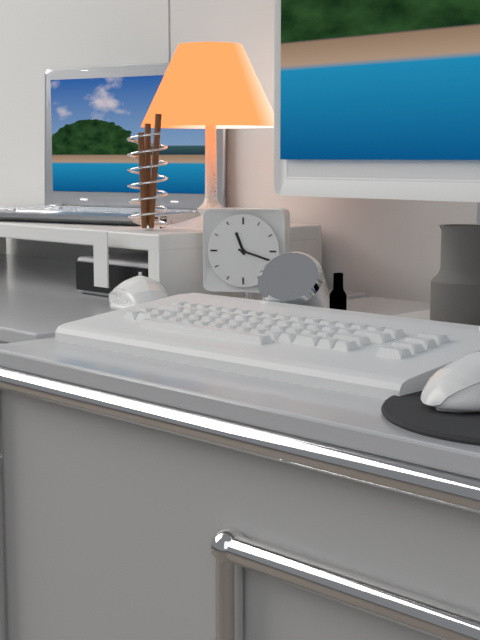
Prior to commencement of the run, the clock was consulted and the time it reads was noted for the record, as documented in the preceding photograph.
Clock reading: 11:18
